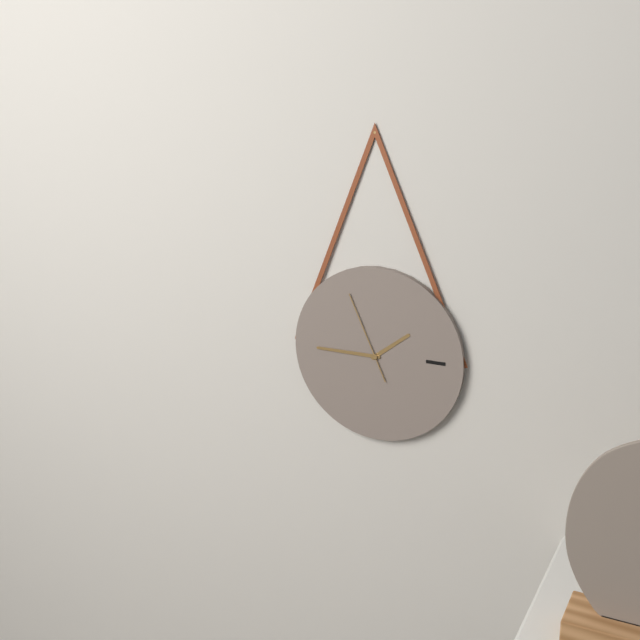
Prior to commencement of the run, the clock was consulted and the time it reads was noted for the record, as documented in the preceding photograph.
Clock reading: 1:45:56
